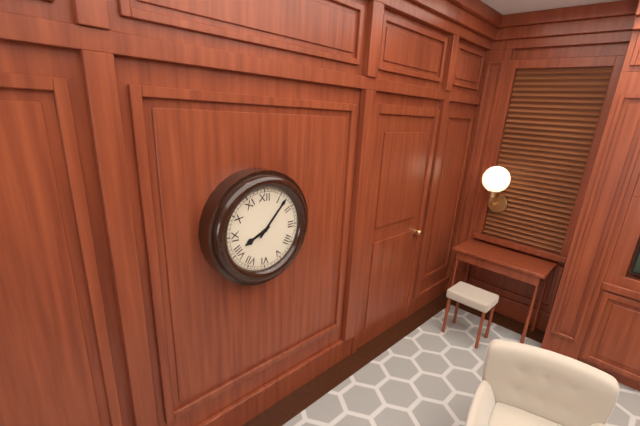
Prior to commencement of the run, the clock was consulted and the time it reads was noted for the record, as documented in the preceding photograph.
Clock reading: 8:07
